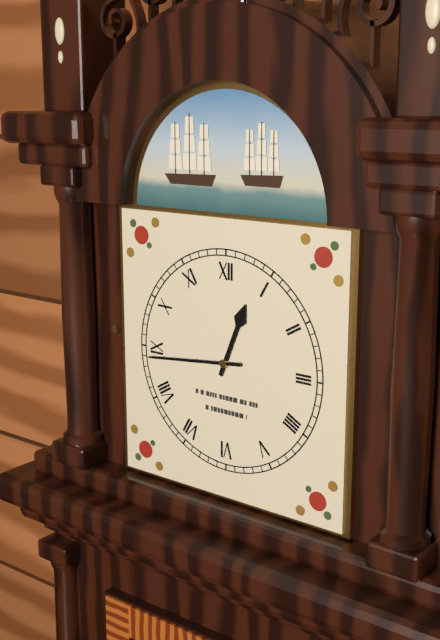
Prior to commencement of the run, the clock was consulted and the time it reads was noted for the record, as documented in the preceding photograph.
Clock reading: 12:44
